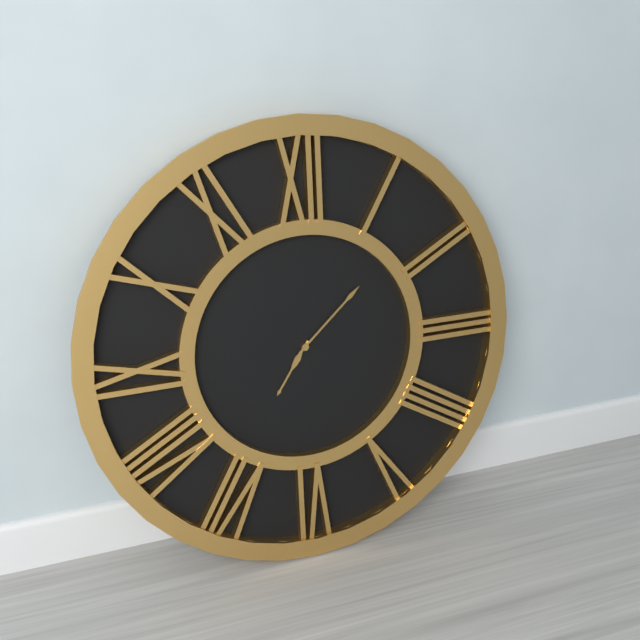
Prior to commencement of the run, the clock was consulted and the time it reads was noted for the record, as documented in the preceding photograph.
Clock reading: 7:08
